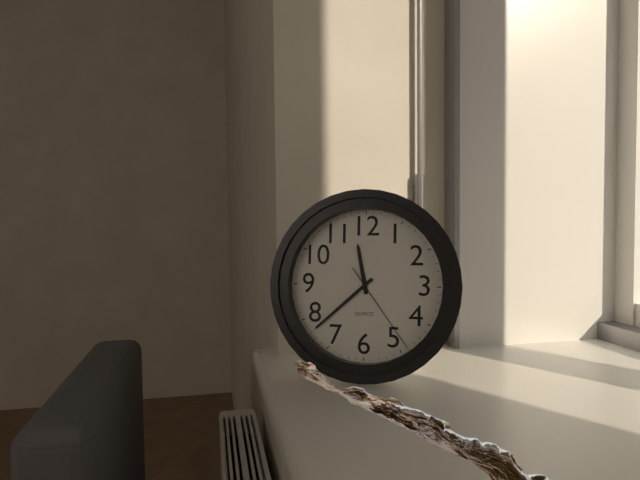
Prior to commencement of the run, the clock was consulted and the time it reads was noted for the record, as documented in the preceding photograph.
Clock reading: 11:38:24
